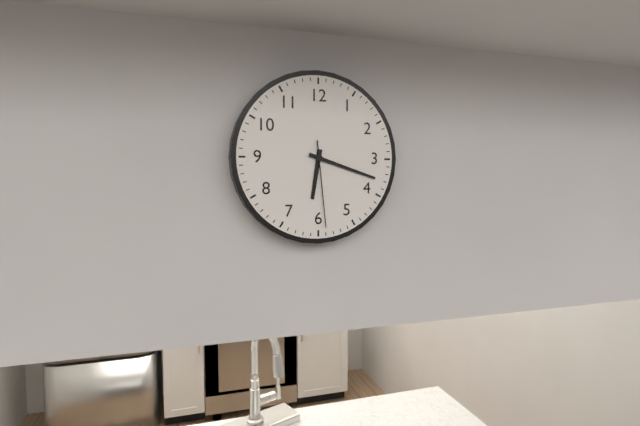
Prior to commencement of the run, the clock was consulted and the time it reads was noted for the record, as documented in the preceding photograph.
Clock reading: 6:18:29
